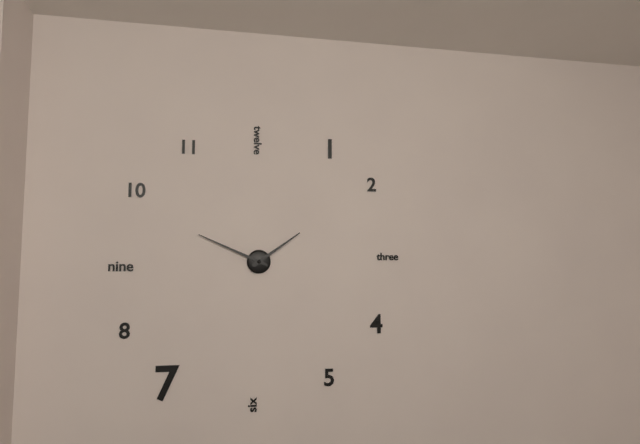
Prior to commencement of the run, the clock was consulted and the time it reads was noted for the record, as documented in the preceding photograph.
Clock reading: 1:49
